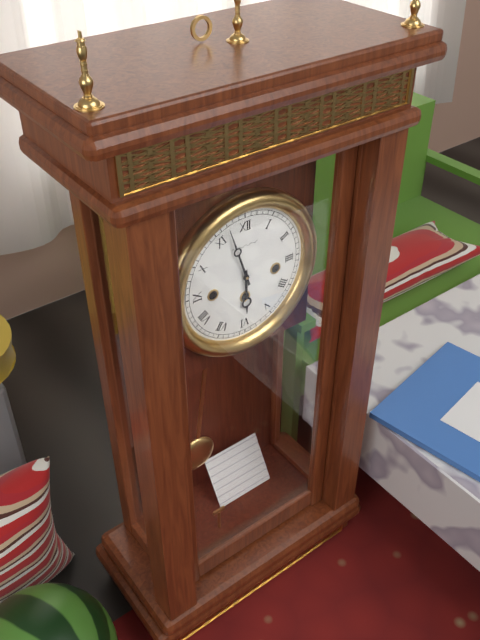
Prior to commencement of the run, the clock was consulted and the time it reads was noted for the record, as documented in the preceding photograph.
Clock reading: 5:57
